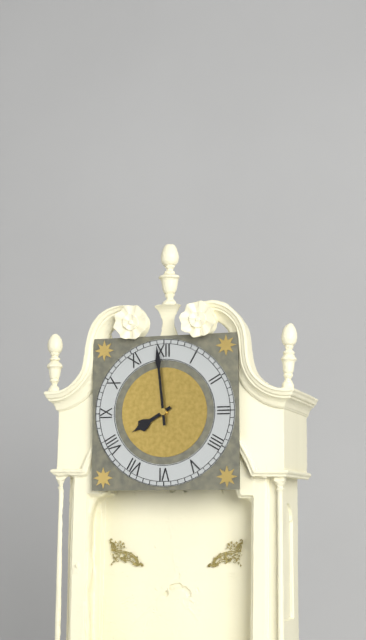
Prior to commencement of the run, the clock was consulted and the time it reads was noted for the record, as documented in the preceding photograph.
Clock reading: 7:59
